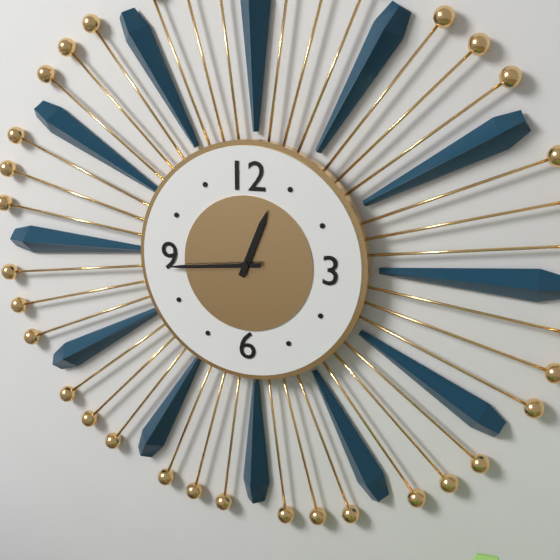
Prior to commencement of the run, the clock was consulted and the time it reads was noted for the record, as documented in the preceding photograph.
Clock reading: 12:44
